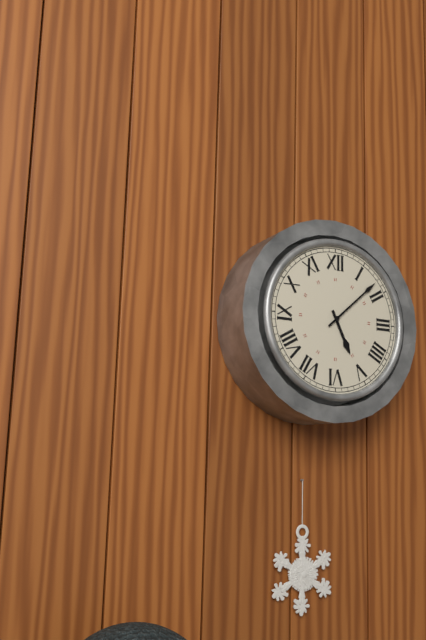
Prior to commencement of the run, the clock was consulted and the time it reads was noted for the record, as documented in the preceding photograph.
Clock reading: 5:08
